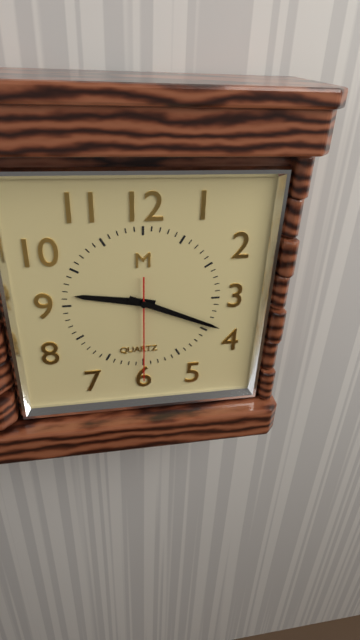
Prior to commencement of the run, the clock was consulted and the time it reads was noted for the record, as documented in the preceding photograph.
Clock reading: 9:19:30
